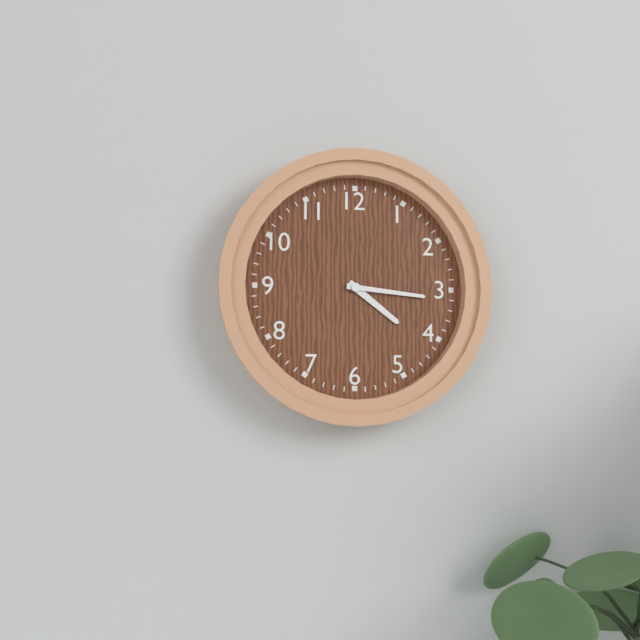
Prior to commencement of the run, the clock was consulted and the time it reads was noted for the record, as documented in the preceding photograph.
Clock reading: 4:16
